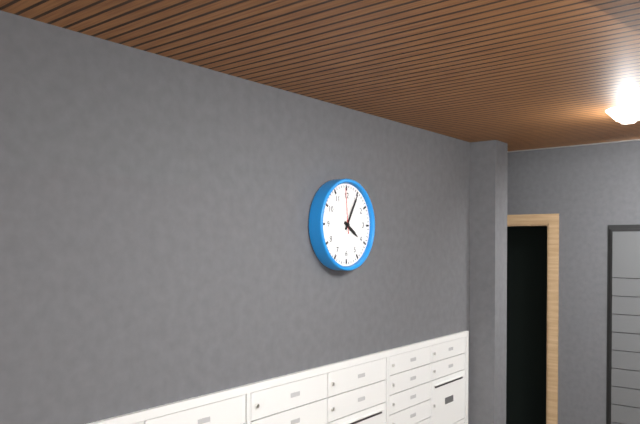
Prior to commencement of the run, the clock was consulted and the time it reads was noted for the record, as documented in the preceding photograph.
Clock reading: 4:05
